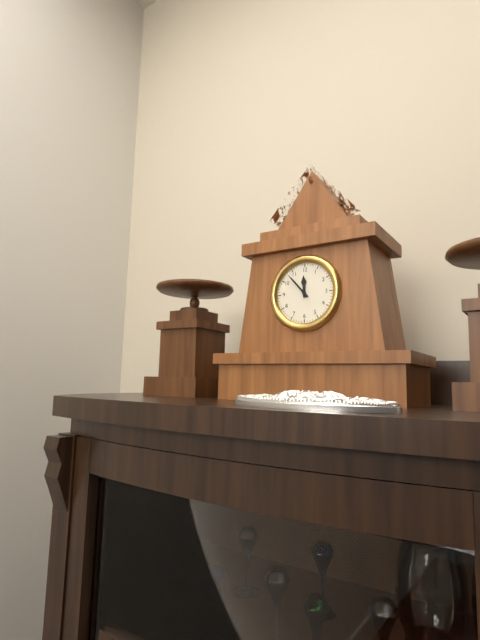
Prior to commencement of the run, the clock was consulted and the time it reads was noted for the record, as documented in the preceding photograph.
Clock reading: 11:53
